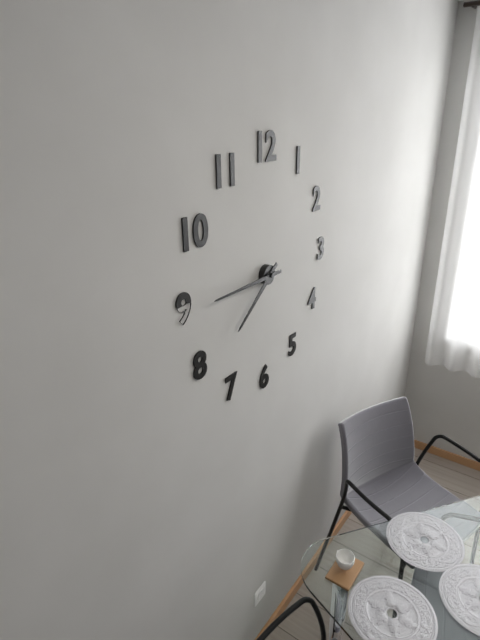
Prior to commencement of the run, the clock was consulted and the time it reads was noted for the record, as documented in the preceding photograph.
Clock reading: 7:45
